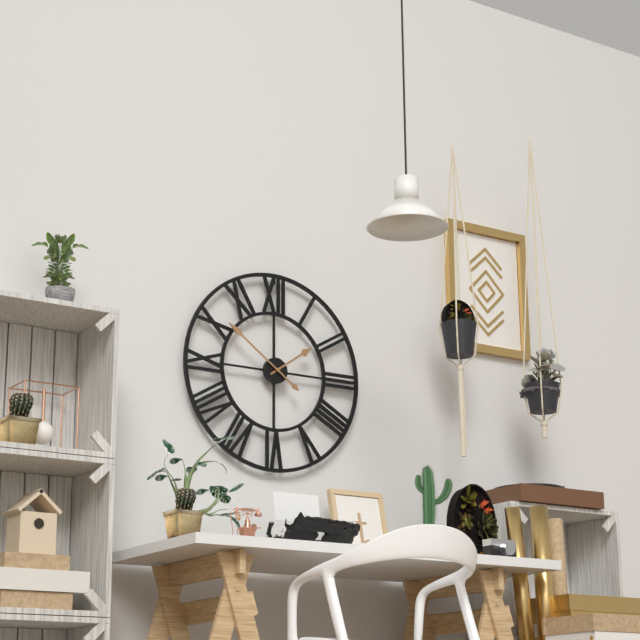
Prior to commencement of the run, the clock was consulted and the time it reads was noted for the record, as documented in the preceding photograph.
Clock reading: 1:51
